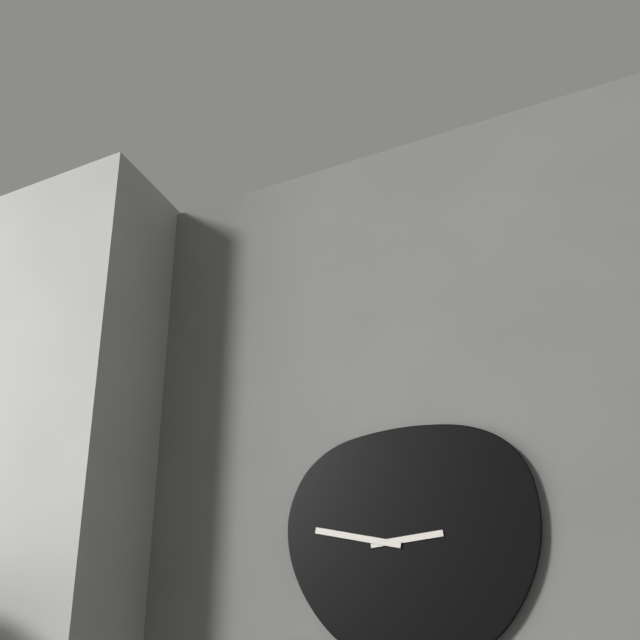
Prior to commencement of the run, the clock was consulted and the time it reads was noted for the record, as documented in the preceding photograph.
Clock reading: 2:47
